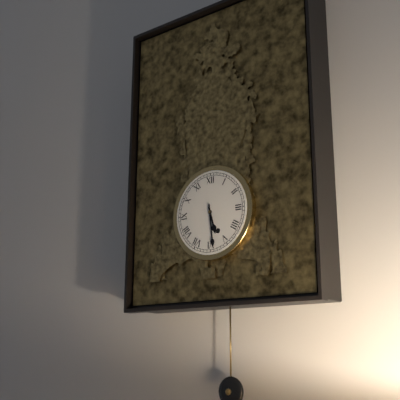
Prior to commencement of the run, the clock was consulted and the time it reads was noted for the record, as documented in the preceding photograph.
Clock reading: 5:29
